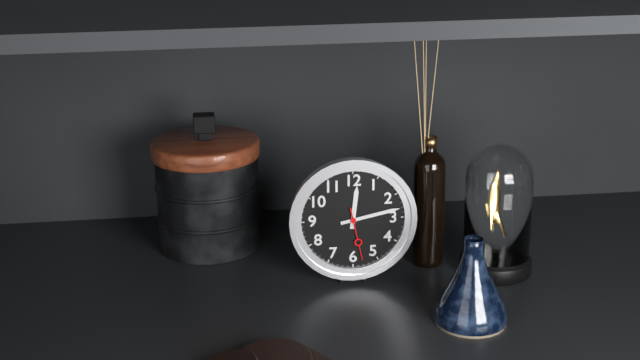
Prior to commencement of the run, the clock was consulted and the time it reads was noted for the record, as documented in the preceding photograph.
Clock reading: 12:13:28
